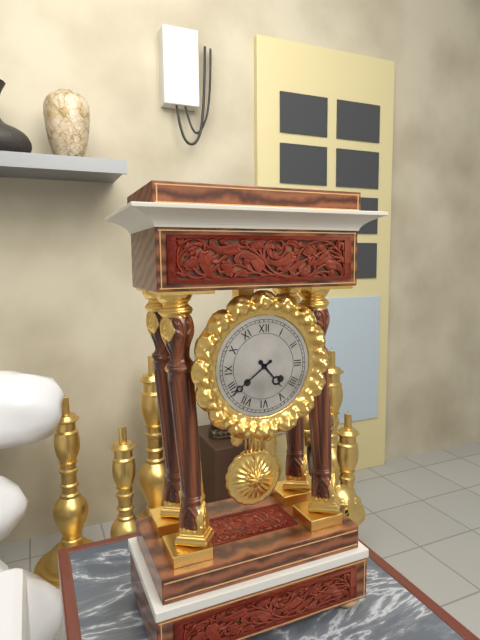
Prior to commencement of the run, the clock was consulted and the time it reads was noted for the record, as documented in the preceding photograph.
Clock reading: 4:39
